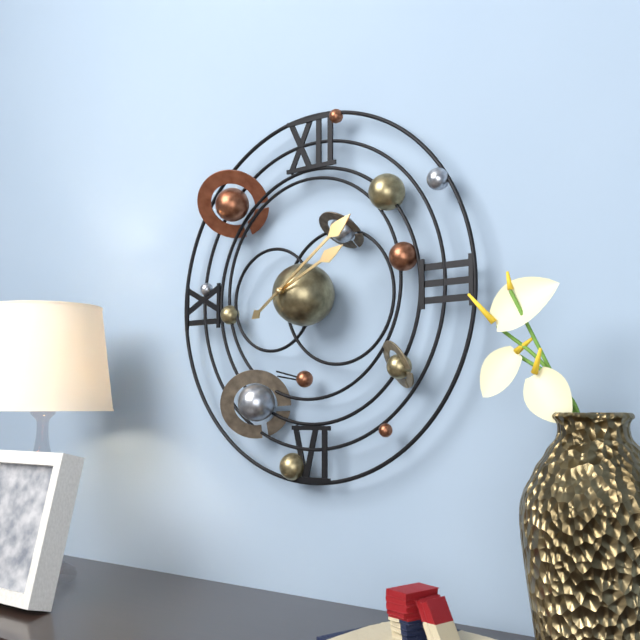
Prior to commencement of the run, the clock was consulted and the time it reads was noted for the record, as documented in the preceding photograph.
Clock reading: 2:09
